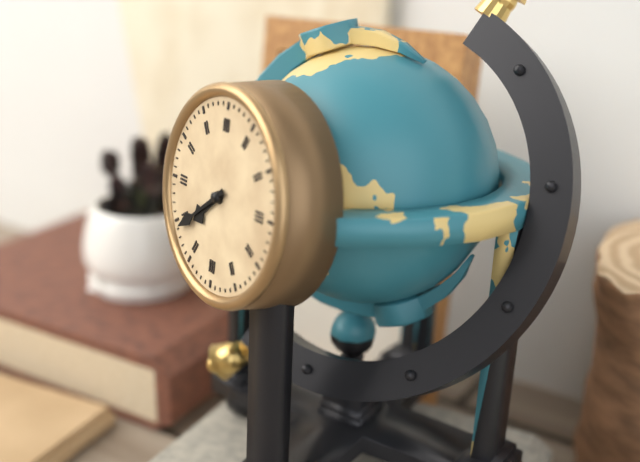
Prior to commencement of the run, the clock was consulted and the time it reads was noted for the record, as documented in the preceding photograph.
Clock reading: 7:39
